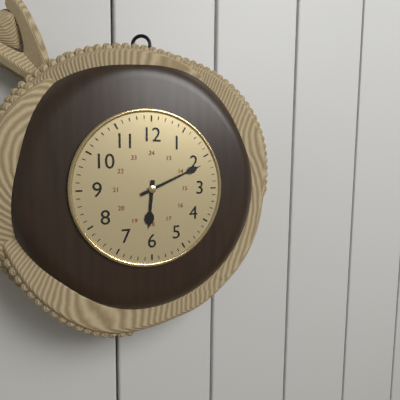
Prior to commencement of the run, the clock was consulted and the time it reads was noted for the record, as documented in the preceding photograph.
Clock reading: 6:11
